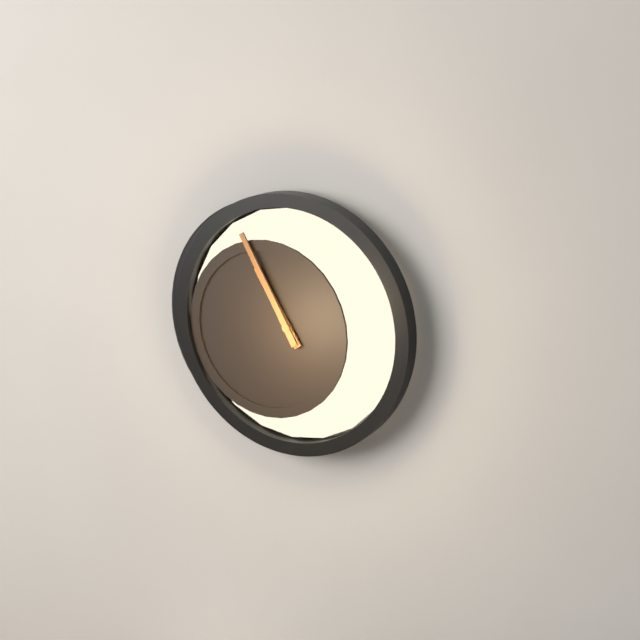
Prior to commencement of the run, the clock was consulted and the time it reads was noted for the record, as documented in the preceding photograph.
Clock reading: 10:55
